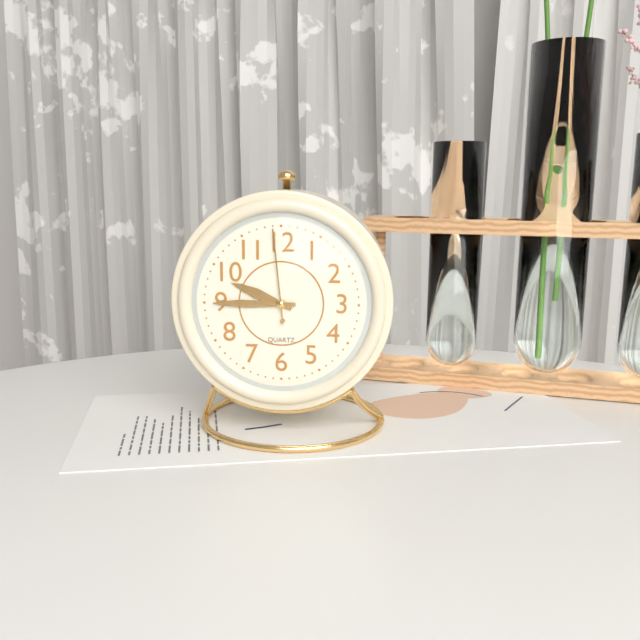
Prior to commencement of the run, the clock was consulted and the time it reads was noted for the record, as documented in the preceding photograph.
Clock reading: 9:45:59
